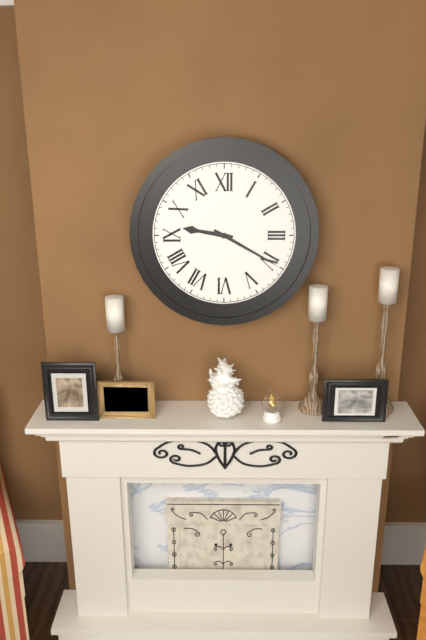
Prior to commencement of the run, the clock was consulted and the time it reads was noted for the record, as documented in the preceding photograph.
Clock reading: 9:20
